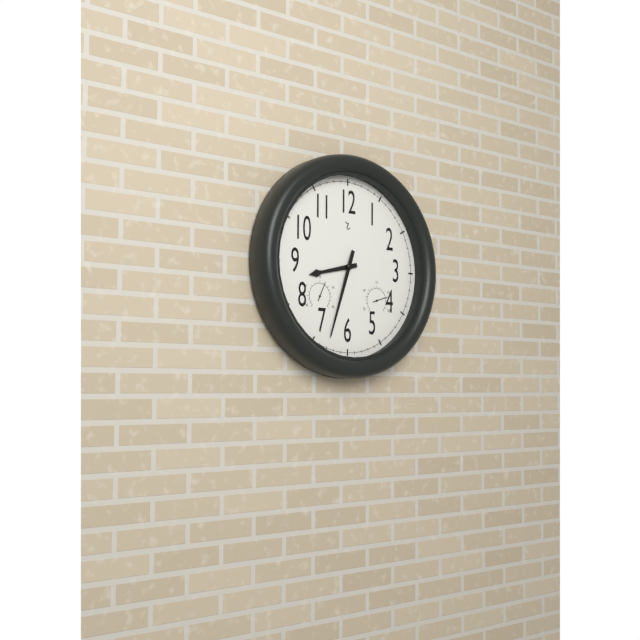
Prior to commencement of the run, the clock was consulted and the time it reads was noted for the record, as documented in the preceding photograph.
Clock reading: 8:33
